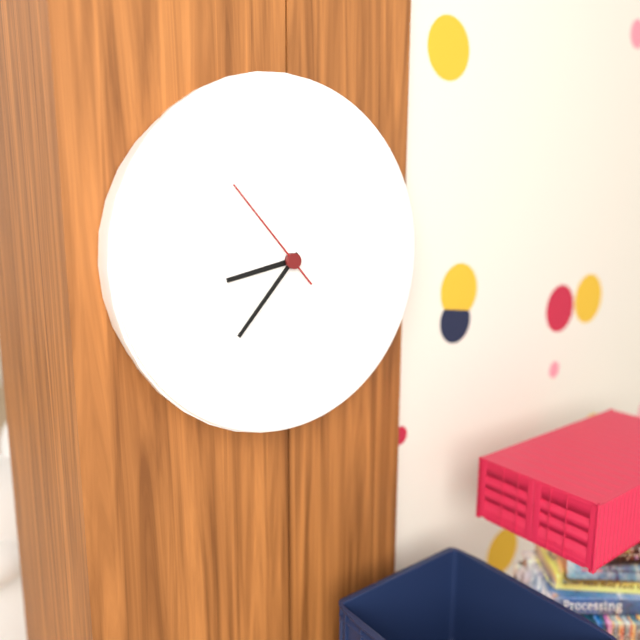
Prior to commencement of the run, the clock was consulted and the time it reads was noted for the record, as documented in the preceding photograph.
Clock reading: 8:37:53
